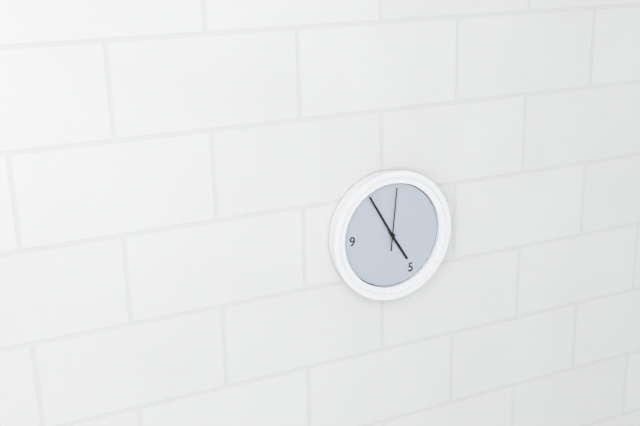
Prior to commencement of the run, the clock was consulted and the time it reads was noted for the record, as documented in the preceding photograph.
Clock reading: 4:55:01
